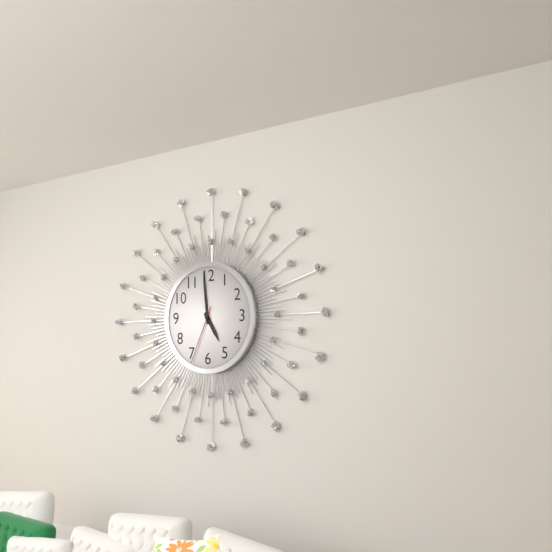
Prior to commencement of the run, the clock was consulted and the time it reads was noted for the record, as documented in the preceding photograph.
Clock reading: 4:59:34
